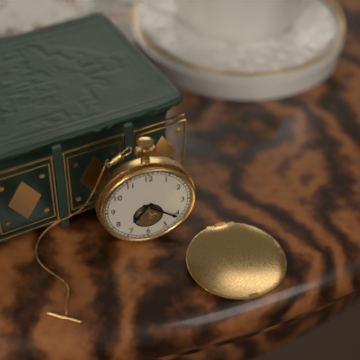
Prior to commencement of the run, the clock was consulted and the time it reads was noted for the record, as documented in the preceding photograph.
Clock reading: 7:21
